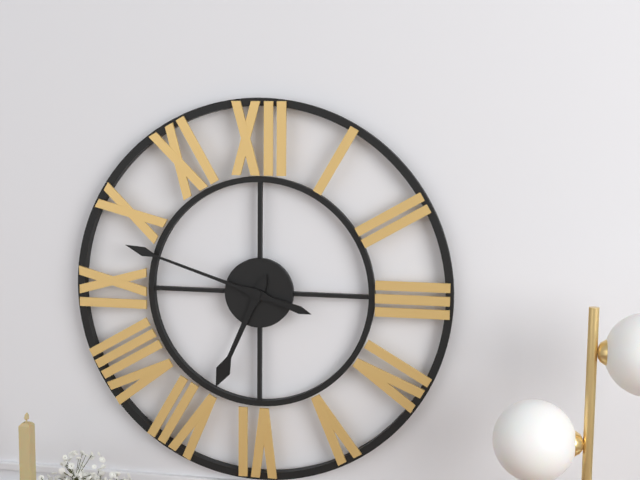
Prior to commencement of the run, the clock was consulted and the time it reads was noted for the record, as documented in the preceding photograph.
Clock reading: 6:48
